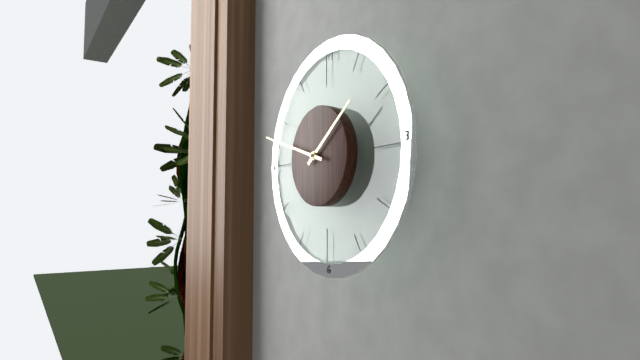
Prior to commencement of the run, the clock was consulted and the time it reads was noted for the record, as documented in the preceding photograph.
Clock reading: 1:48
